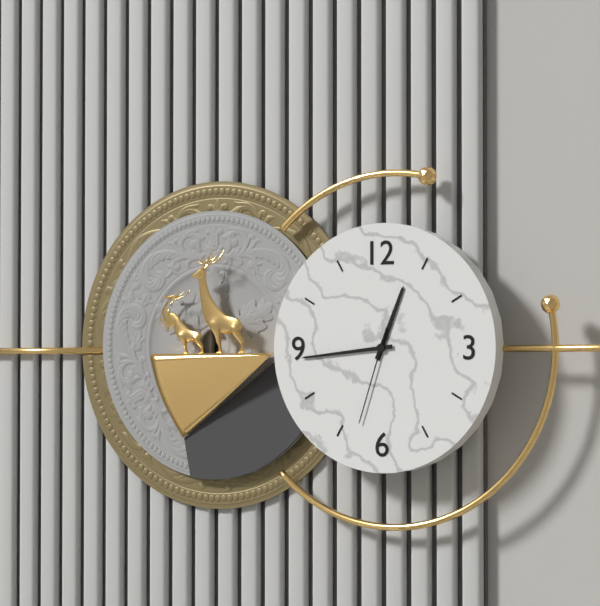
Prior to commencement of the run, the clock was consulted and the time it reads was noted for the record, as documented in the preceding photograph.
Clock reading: 12:44:33
